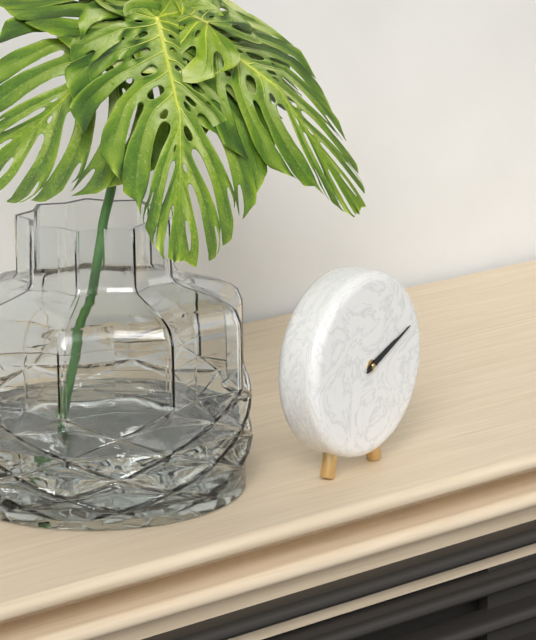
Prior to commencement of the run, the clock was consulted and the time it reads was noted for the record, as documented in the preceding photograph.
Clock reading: 2:11
